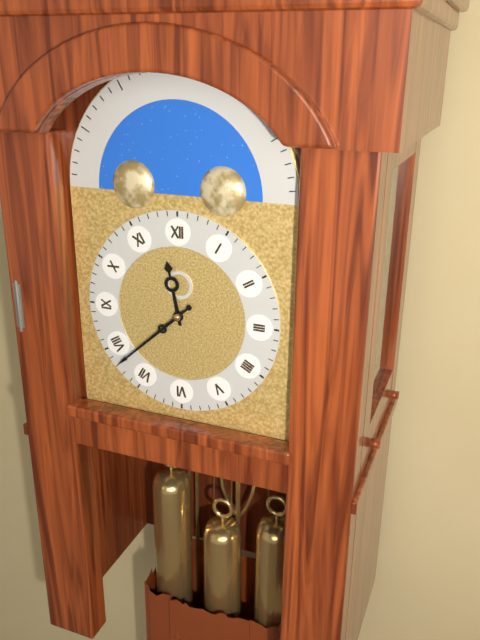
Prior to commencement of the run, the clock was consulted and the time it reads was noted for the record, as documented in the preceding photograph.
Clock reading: 11:38
